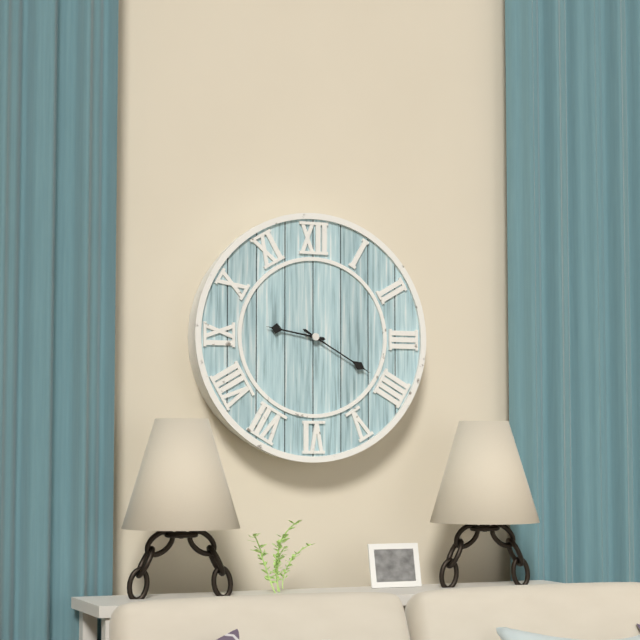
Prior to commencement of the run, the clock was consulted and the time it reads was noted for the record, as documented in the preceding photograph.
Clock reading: 9:20
